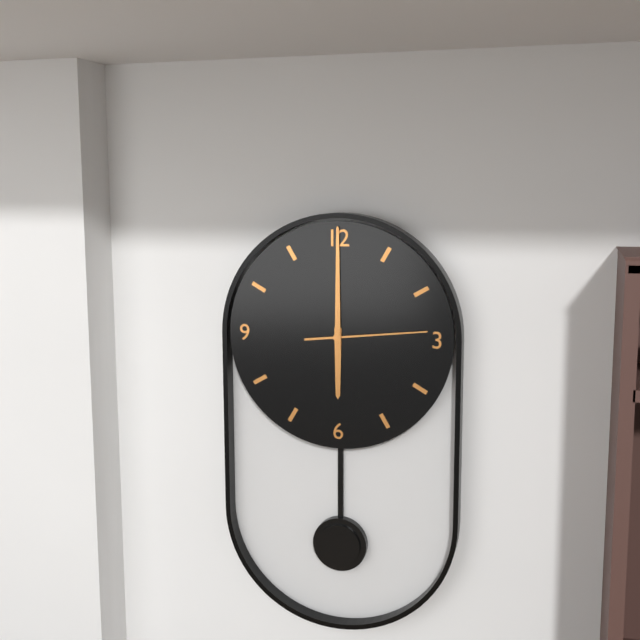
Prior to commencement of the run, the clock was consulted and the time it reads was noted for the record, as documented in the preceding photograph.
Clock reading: 6:00:14
